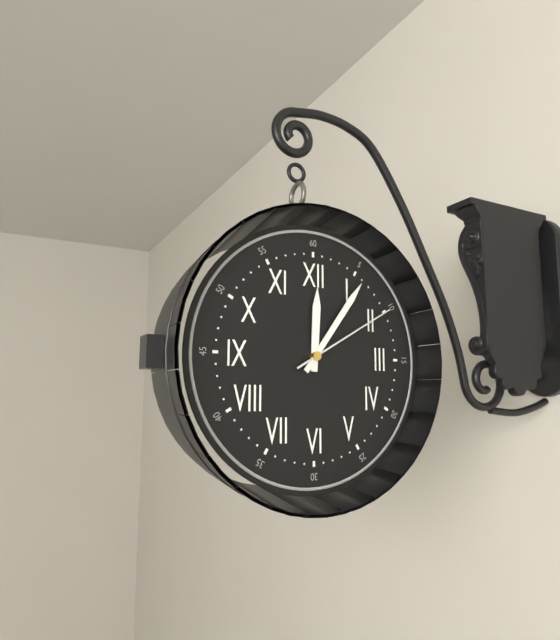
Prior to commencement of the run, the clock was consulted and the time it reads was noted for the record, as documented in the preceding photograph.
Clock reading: 12:06:10
